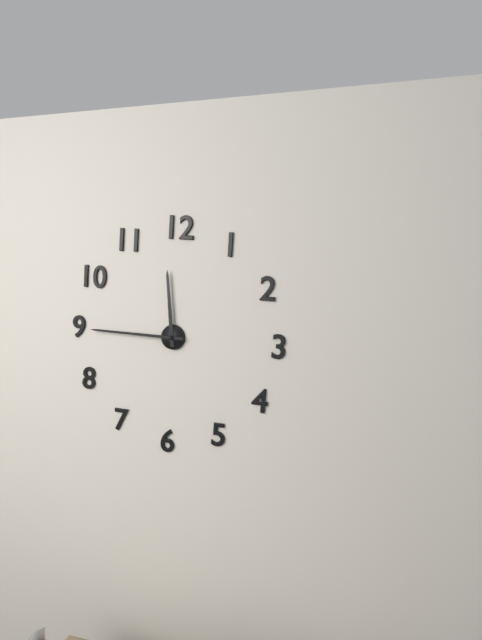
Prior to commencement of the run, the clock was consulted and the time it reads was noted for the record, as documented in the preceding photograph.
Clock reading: 11:45
